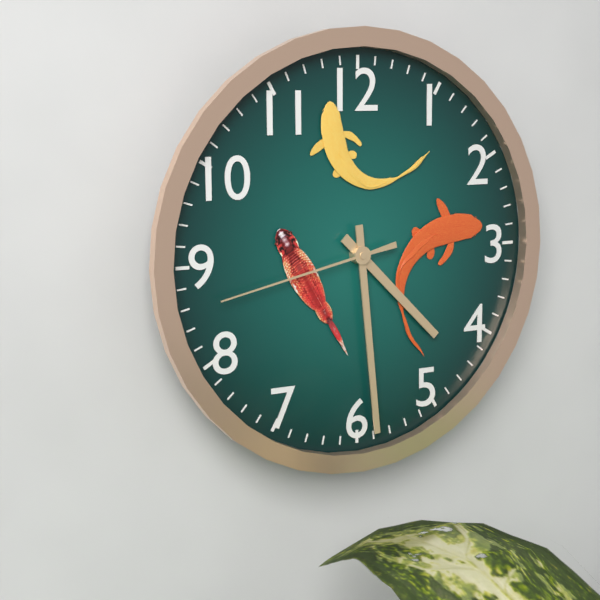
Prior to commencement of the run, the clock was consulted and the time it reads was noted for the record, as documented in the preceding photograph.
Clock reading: 4:29:43
